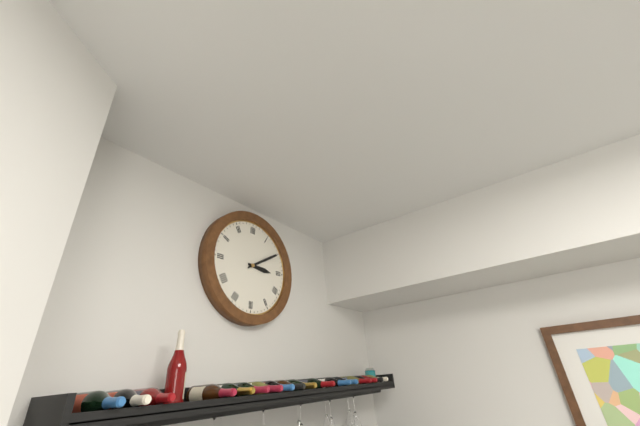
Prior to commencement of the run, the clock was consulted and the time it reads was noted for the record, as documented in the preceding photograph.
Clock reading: 3:10
